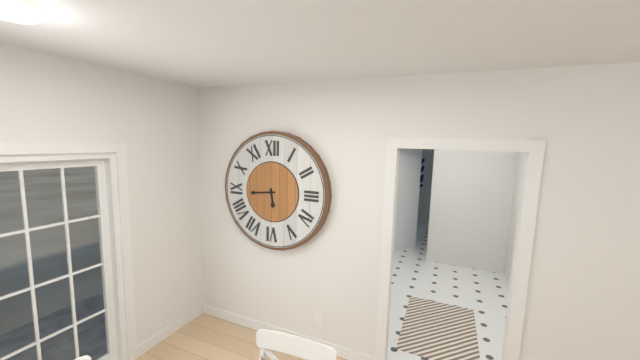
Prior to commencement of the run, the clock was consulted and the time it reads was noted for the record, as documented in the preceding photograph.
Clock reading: 5:44
